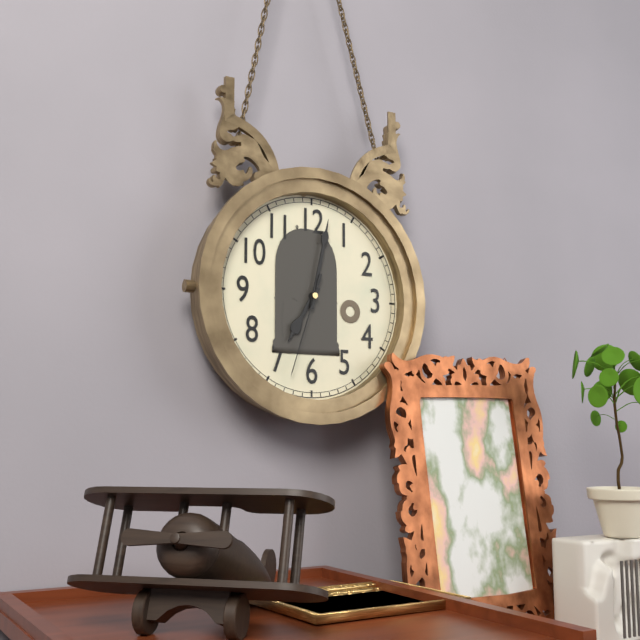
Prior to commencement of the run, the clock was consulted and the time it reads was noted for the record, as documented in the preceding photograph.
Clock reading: 7:02:33
